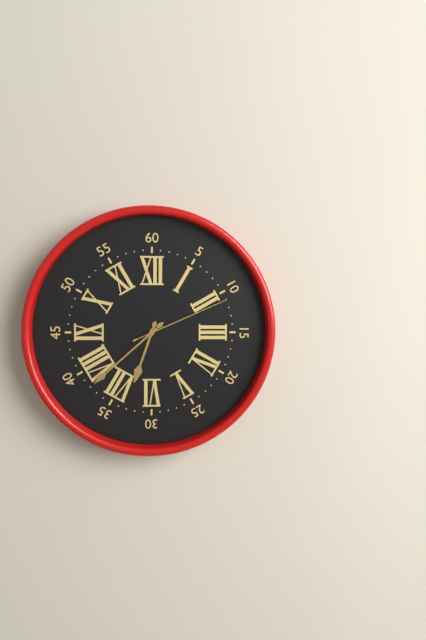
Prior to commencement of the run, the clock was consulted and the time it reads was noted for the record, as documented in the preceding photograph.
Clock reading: 6:38:11
